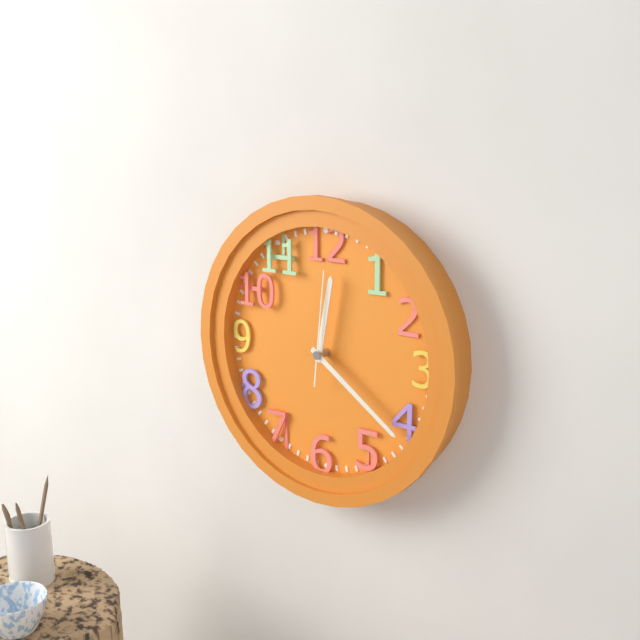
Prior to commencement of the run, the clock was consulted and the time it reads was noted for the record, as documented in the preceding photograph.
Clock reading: 12:21:01
